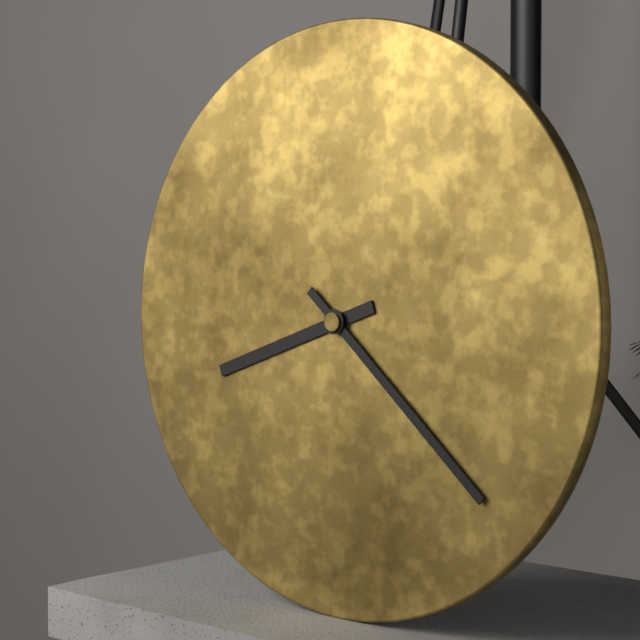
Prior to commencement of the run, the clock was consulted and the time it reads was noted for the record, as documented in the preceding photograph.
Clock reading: 8:22
